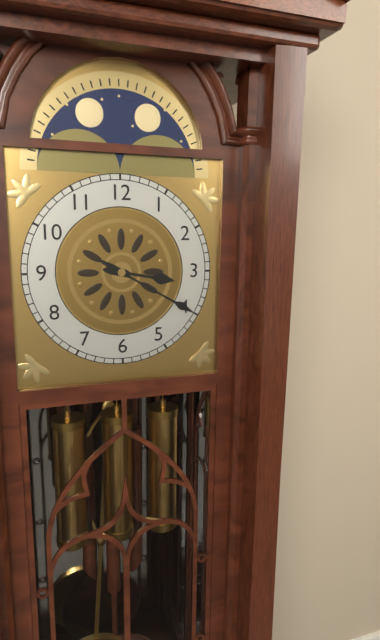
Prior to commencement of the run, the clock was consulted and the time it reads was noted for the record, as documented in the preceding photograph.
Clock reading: 3:20
